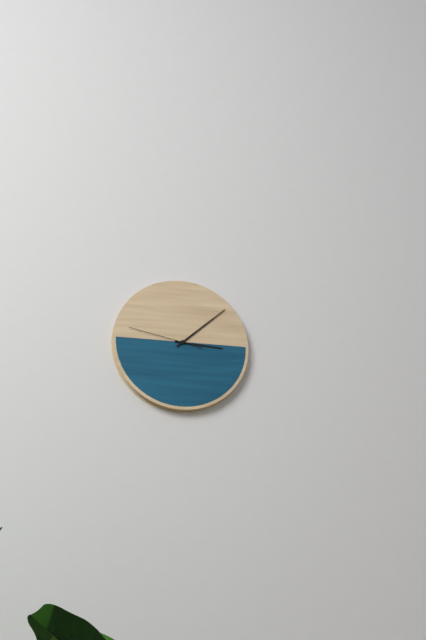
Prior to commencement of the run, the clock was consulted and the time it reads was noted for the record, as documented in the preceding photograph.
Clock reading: 3:08:47
